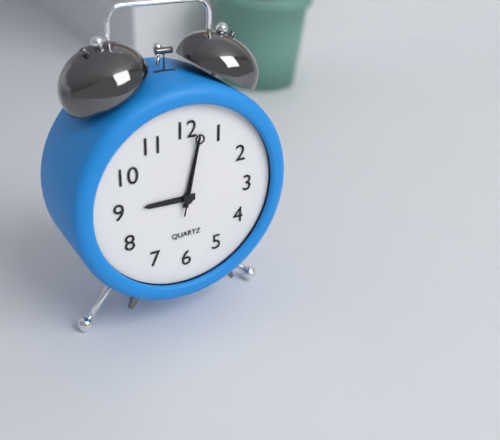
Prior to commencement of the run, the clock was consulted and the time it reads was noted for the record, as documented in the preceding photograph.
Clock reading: 9:02:02
